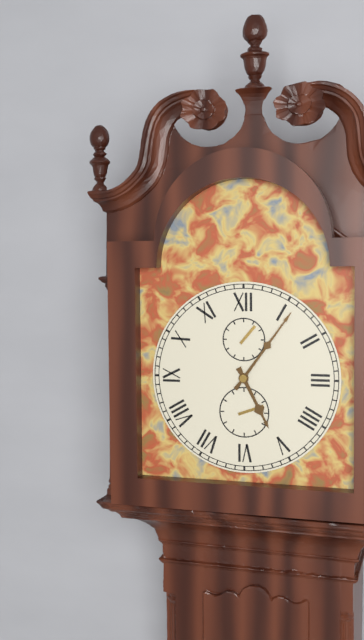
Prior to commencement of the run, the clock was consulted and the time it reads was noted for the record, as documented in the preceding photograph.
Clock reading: 5:06
